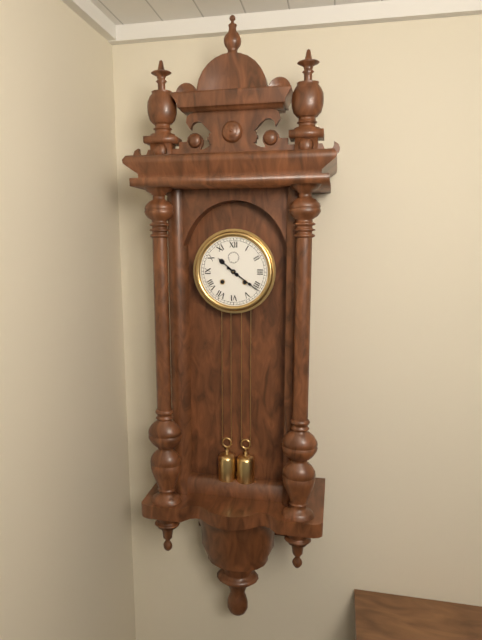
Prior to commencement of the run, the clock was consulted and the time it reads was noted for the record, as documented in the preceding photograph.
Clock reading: 10:21
